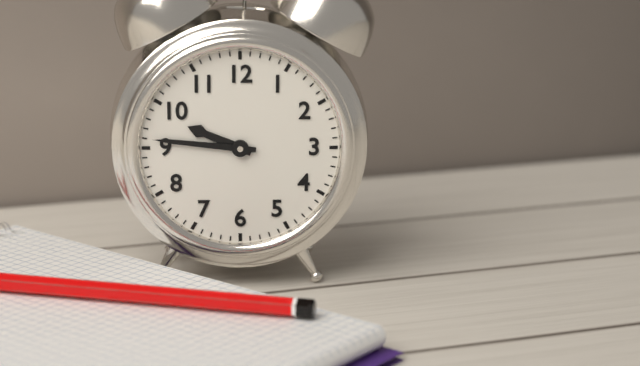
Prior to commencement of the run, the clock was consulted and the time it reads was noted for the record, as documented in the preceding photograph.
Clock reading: 9:46
